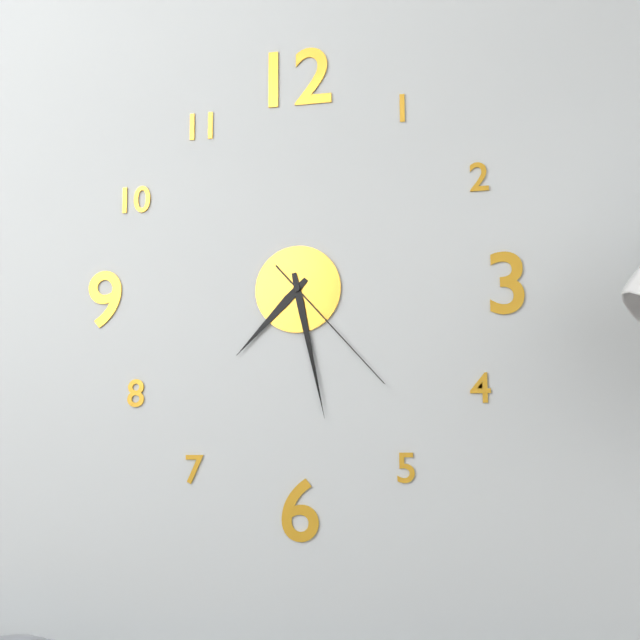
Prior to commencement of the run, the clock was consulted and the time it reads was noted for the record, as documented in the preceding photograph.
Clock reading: 7:28:23
